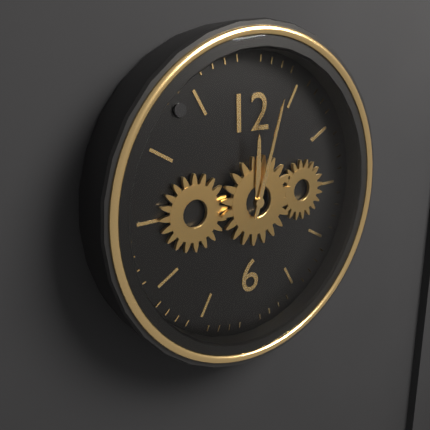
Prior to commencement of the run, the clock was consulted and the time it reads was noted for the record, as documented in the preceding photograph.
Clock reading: 12:03
